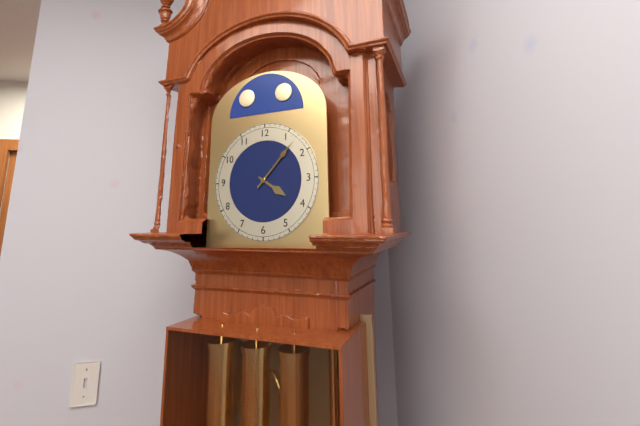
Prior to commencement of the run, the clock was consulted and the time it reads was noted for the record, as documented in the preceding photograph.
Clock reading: 4:07
